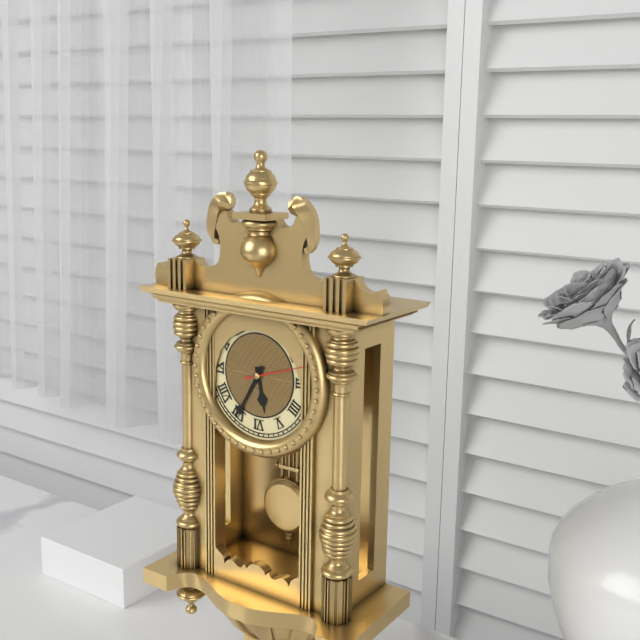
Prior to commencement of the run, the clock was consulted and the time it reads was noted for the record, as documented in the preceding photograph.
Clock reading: 5:35:12
